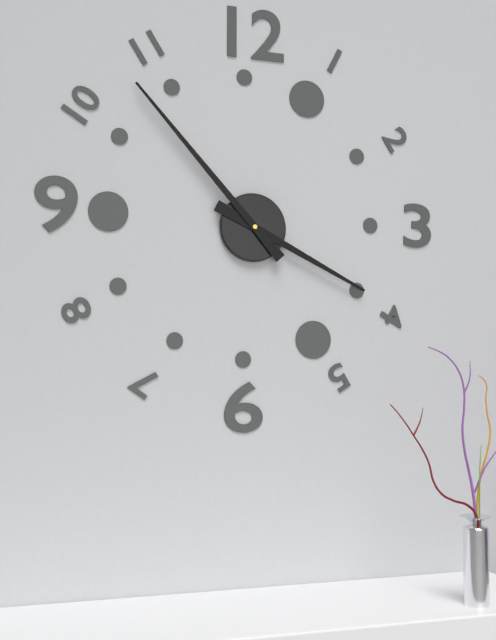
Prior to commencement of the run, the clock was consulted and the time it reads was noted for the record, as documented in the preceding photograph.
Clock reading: 3:53
